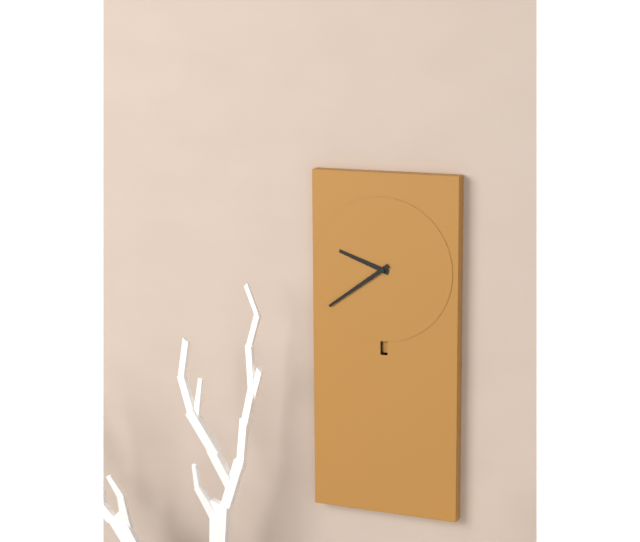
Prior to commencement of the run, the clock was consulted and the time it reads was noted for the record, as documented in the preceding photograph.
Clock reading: 9:39
